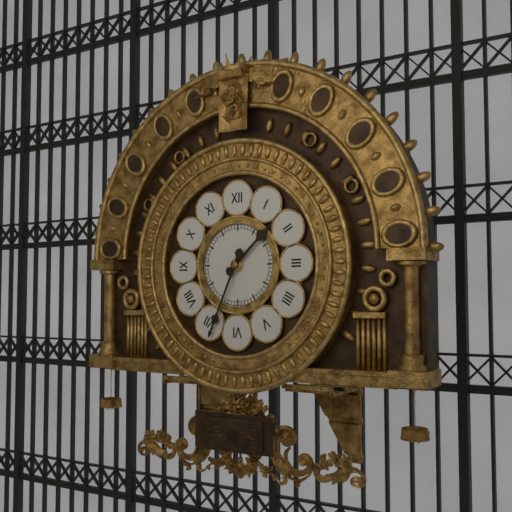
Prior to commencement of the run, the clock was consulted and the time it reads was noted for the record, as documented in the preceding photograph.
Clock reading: 1:34
